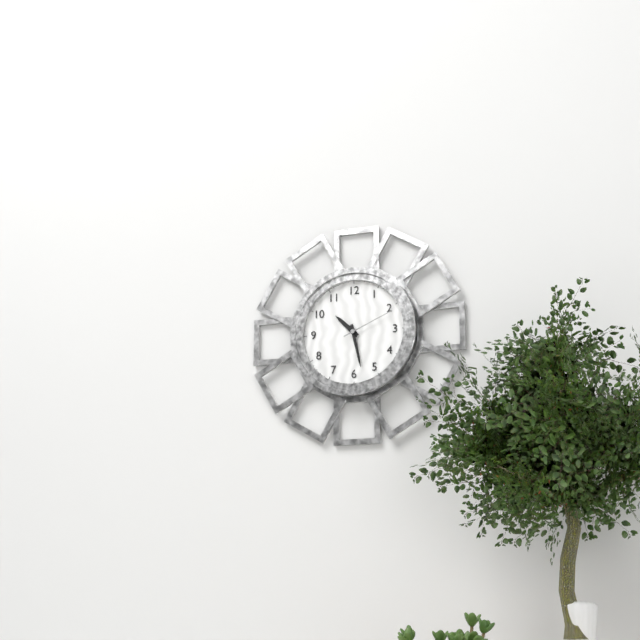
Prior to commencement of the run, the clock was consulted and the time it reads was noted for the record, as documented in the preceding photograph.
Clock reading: 10:28:11
